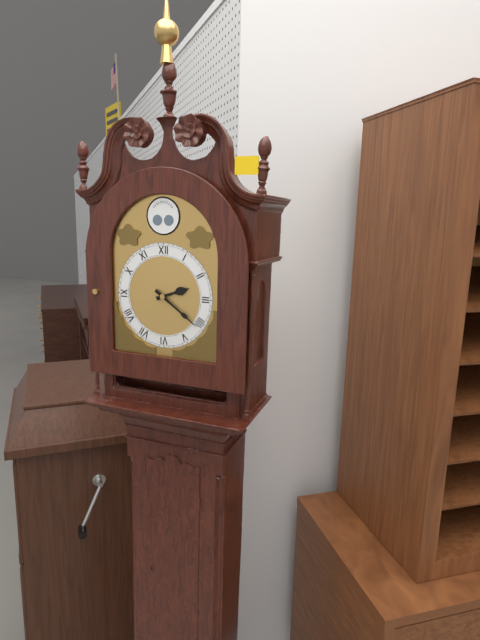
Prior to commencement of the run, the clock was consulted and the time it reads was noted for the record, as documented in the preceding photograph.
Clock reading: 2:21
